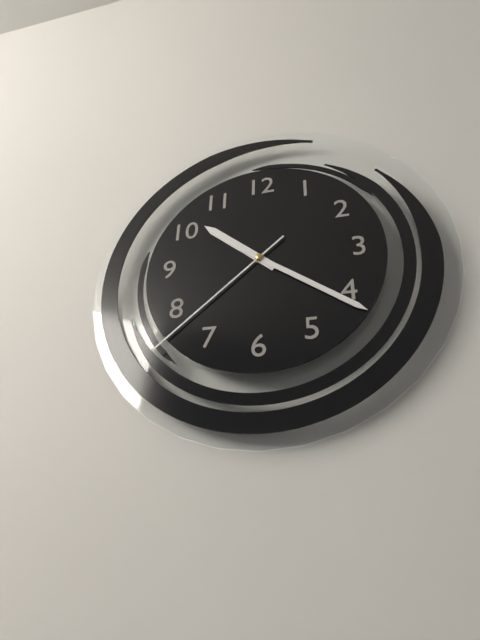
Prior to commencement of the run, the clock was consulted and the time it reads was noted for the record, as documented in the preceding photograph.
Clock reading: 10:21:38
